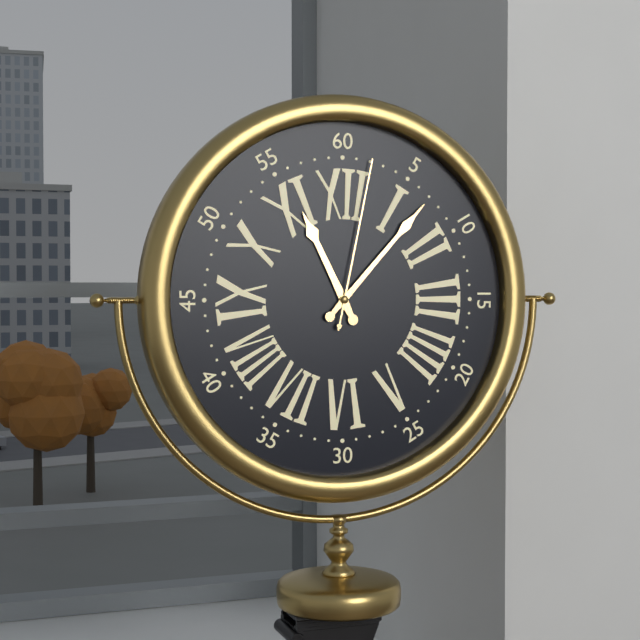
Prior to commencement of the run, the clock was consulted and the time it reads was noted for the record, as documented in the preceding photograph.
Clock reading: 11:07:02
